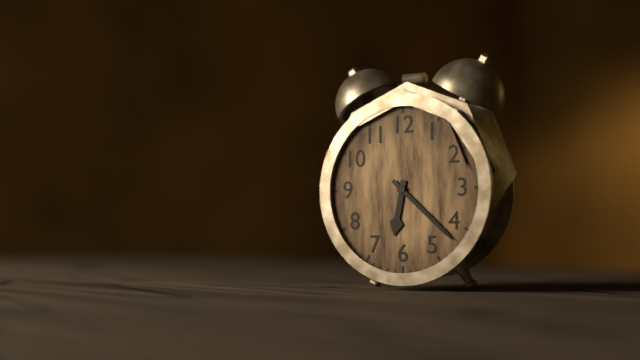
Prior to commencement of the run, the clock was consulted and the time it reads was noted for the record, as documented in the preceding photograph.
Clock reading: 6:22
